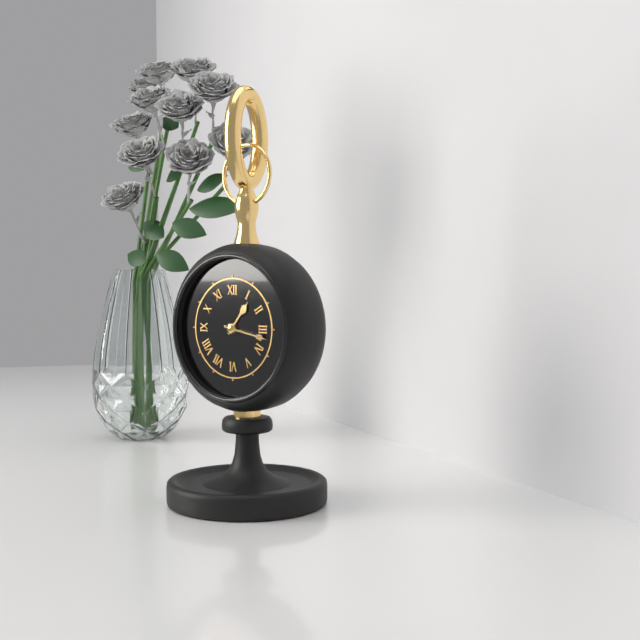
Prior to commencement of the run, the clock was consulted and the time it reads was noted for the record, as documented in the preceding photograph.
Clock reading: 1:17
